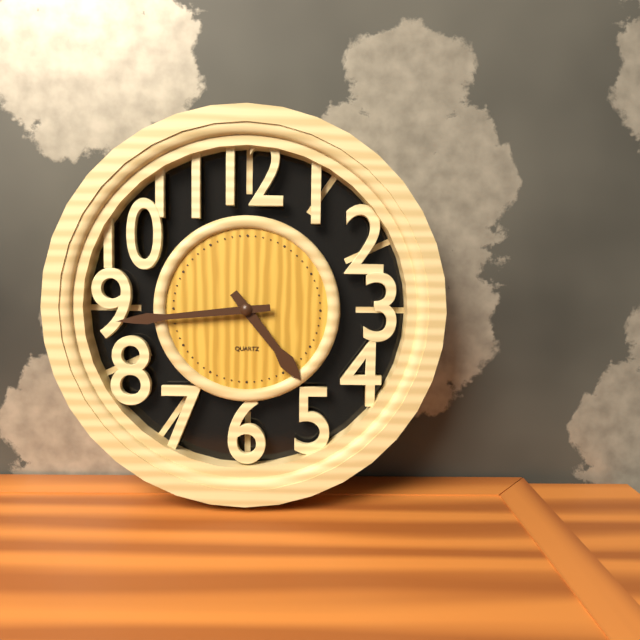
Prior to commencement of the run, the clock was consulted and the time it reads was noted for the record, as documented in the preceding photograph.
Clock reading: 4:44
